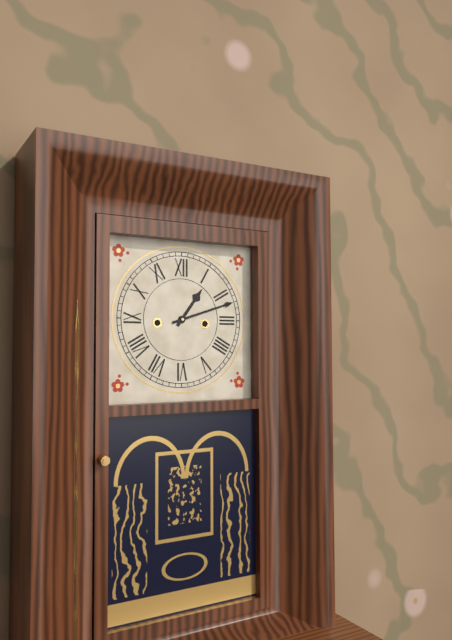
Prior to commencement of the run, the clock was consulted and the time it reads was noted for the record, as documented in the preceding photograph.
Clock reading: 1:12
